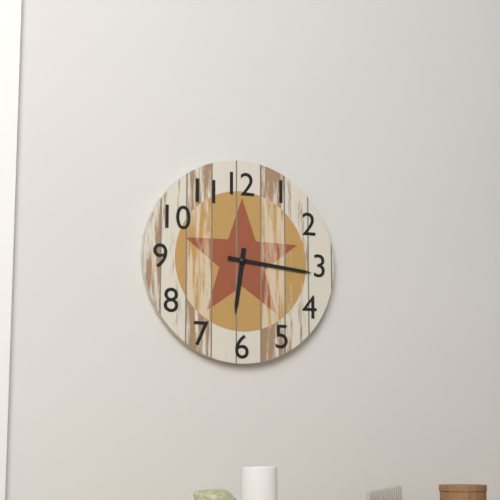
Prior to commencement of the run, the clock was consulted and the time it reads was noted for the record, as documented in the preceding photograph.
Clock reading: 6:16
